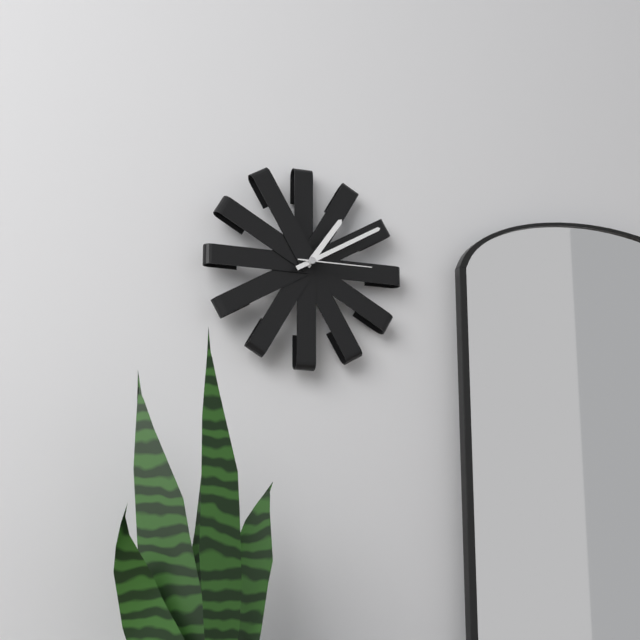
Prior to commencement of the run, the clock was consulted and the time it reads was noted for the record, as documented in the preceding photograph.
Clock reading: 1:10:15
